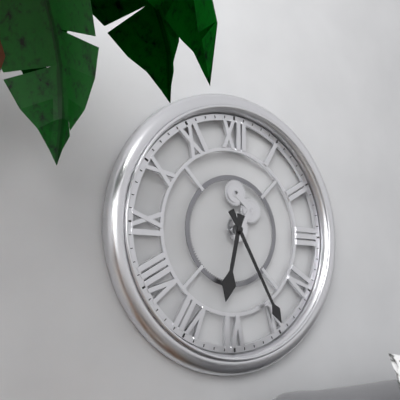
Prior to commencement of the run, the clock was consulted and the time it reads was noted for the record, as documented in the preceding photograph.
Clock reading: 6:25
